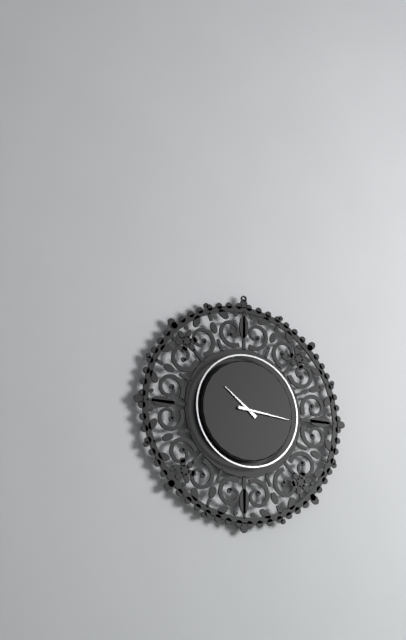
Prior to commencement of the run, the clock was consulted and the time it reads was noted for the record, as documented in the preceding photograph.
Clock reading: 10:16
